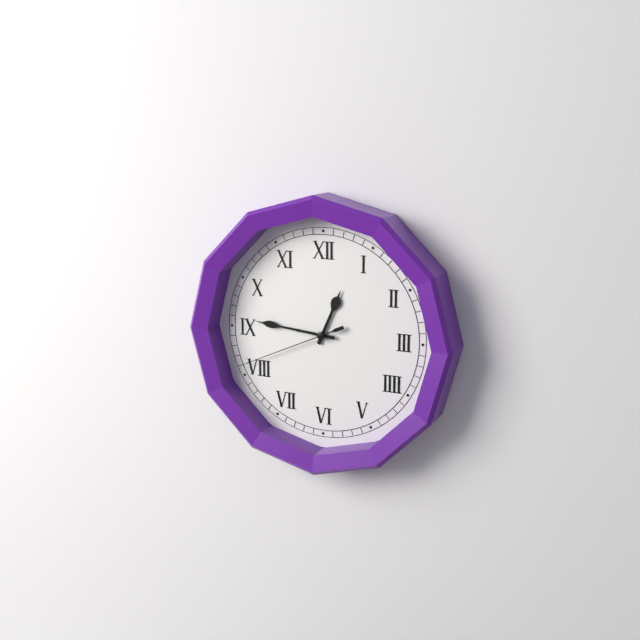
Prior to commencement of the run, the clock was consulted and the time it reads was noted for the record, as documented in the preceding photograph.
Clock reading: 12:46:41
